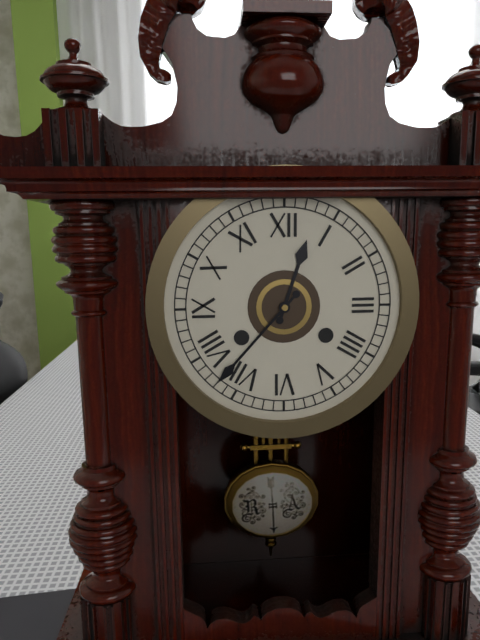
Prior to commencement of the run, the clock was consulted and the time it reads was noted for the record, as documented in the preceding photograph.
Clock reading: 12:37
